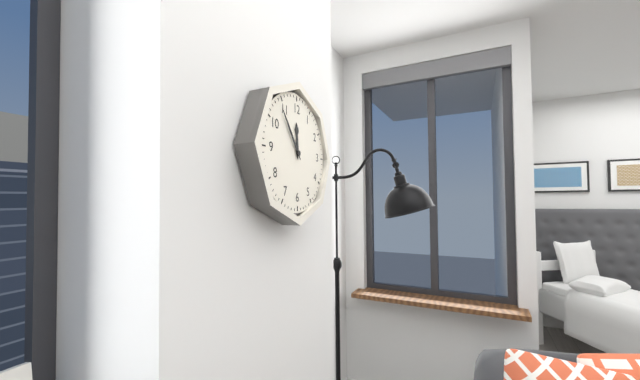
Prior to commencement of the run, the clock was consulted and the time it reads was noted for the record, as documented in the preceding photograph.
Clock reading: 11:54
